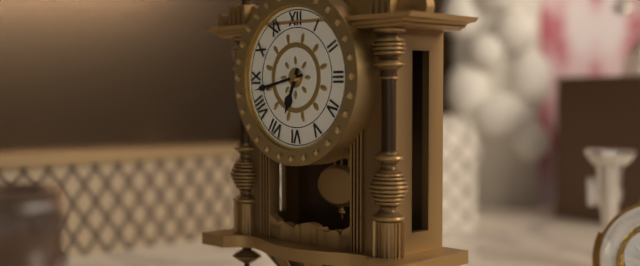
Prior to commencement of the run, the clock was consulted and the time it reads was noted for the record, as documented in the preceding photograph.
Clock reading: 6:43
